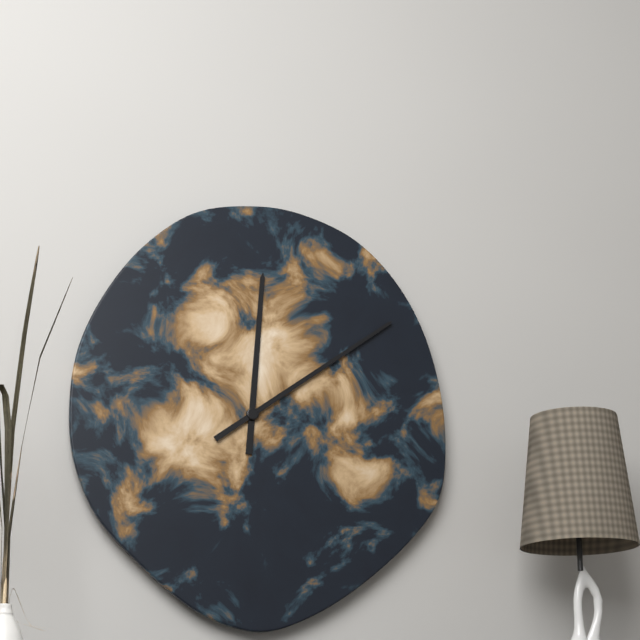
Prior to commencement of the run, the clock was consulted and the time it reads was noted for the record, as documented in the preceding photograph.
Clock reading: 12:09
